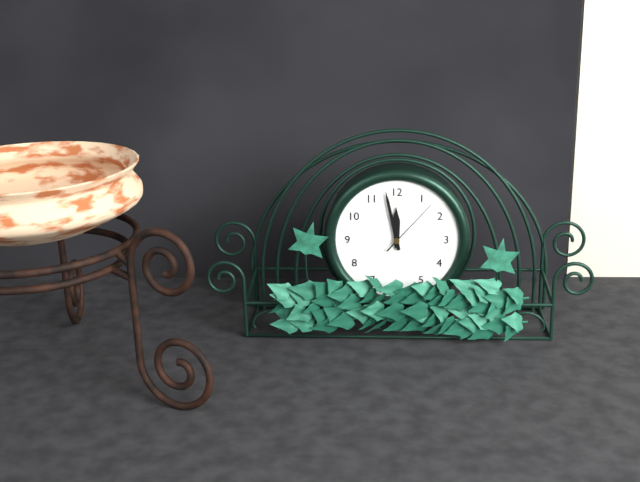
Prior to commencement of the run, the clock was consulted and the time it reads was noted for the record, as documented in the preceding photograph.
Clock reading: 11:58:07
